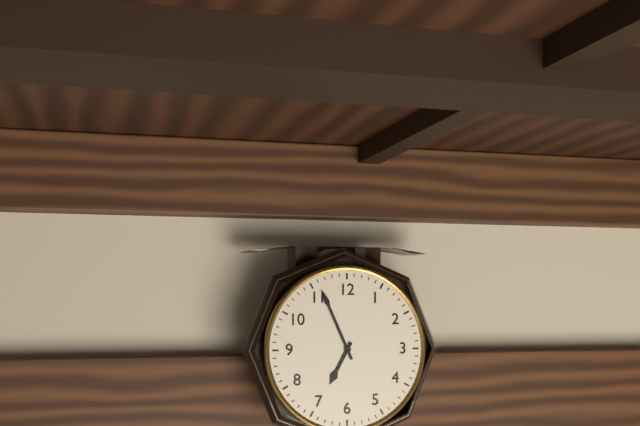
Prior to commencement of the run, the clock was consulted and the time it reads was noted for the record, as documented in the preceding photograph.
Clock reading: 6:56
